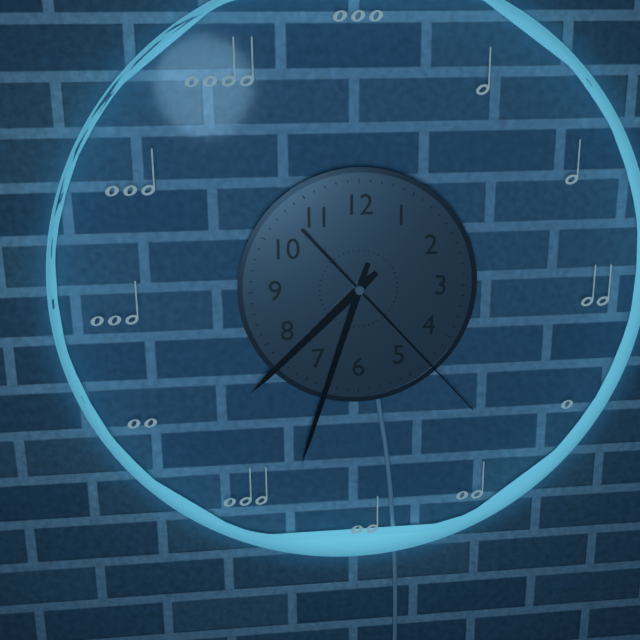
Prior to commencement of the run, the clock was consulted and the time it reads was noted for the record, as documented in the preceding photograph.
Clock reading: 7:33:23
